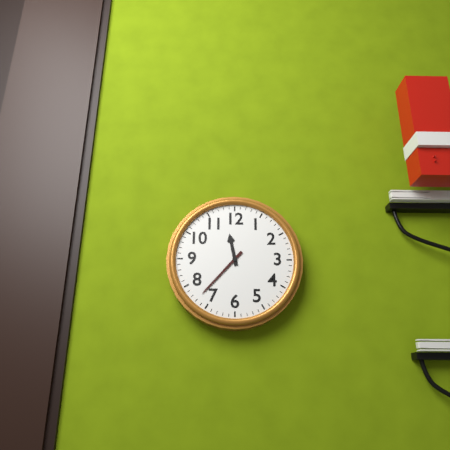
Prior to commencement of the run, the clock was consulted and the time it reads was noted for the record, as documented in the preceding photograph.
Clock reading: 11:37
